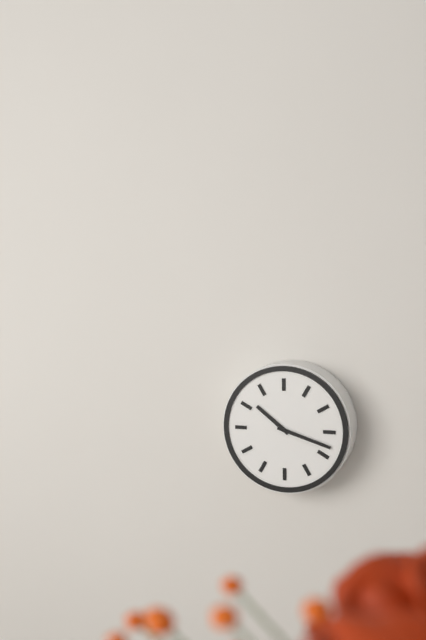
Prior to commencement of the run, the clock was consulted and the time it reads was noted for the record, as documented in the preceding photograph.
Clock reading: 10:18
